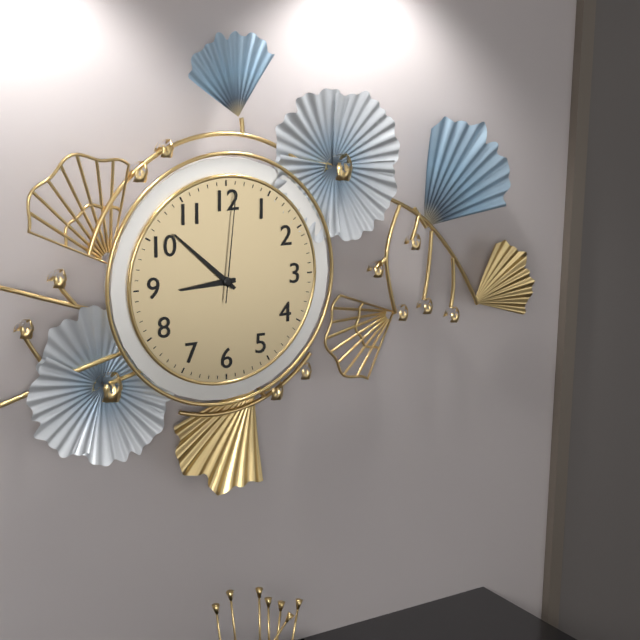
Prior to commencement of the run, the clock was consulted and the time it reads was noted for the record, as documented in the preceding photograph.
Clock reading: 8:52:01
